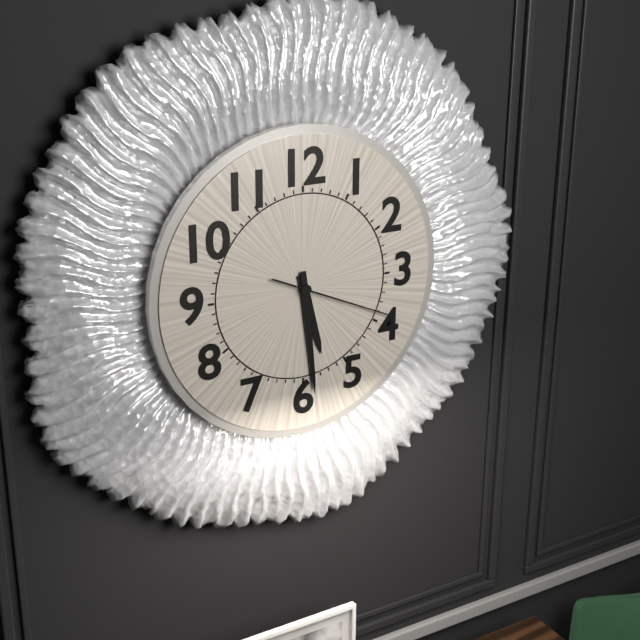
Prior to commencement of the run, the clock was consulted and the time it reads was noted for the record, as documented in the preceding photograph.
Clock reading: 5:29:19
